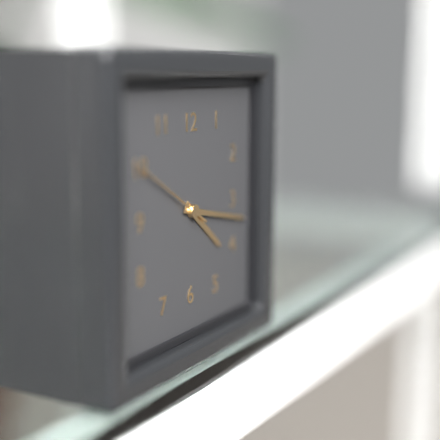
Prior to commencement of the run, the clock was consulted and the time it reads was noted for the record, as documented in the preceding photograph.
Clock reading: 4:17:50
